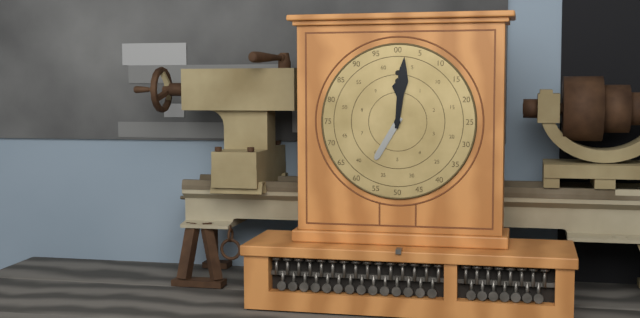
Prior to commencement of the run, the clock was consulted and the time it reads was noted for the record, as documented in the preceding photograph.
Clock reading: 7:01
